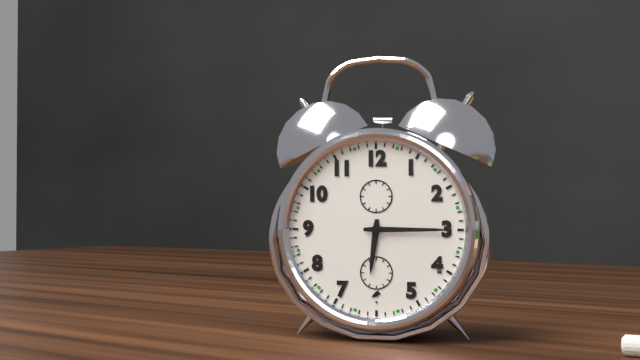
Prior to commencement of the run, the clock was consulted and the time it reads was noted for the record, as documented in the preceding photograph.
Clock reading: 6:15
